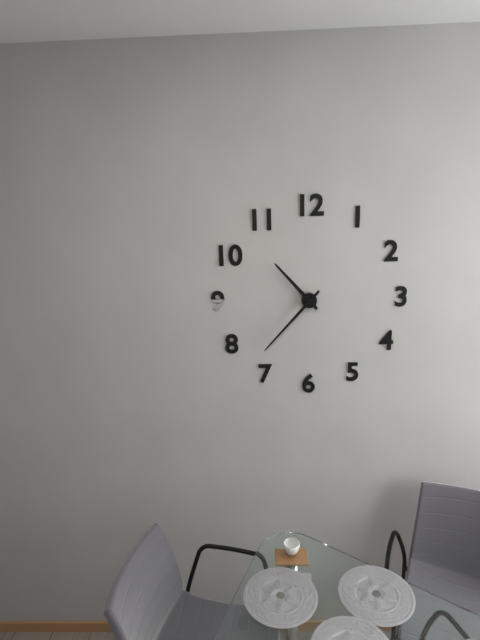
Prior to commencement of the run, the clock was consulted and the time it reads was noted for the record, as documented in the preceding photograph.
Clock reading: 10:37
